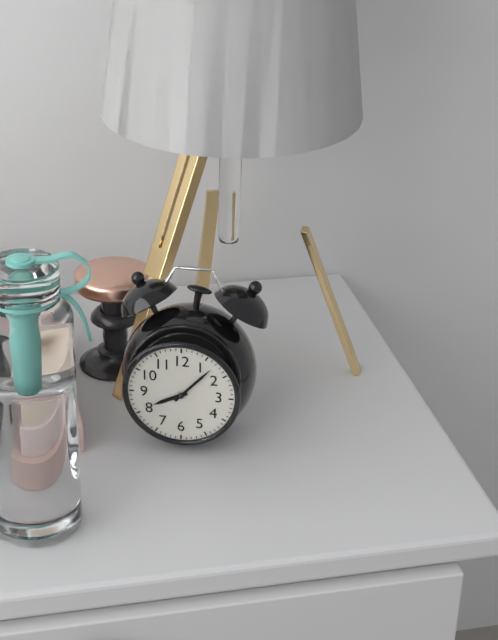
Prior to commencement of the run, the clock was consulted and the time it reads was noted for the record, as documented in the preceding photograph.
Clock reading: 8:07
